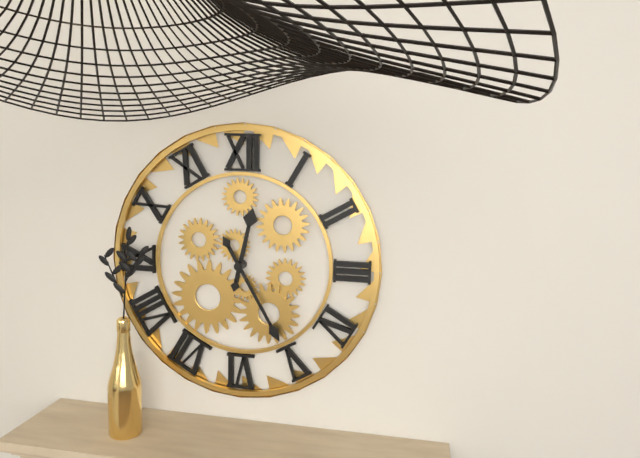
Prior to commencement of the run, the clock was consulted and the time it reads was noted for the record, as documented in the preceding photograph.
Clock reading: 12:25
